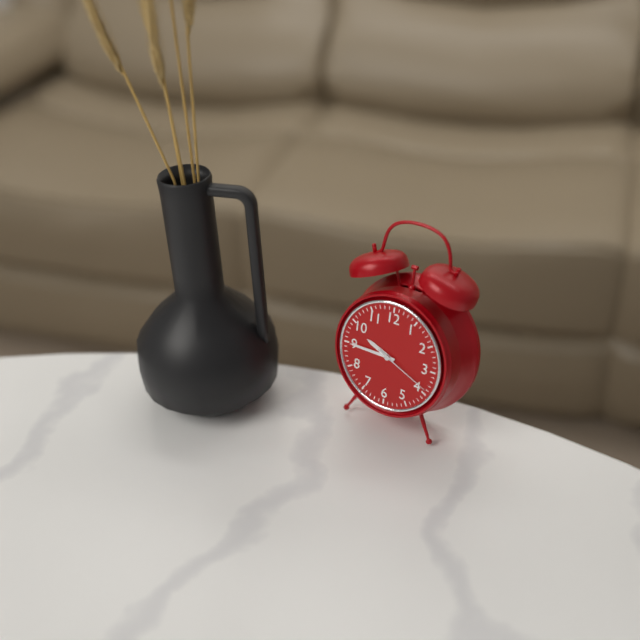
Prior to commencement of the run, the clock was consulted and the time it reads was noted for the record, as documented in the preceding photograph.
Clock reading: 9:45:19
